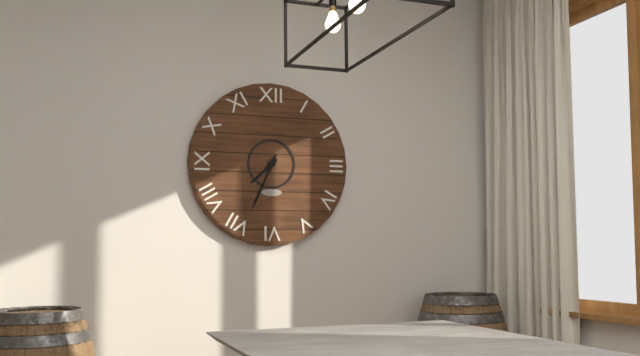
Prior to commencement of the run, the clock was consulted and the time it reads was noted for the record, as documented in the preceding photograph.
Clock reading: 7:34
